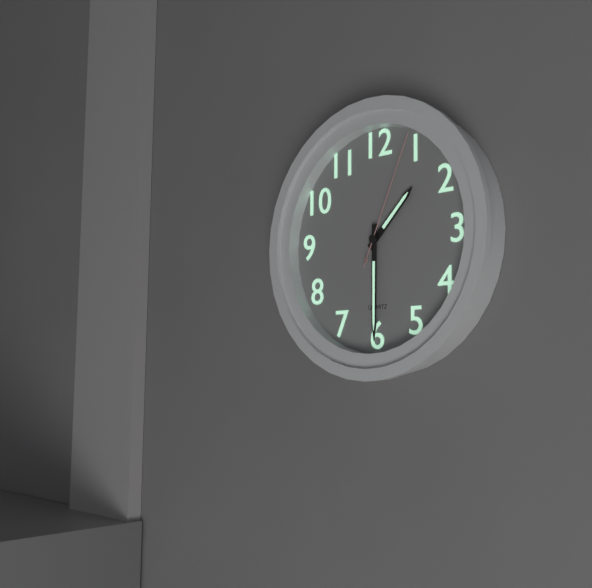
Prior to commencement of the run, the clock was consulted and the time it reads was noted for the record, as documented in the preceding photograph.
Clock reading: 1:30:04
